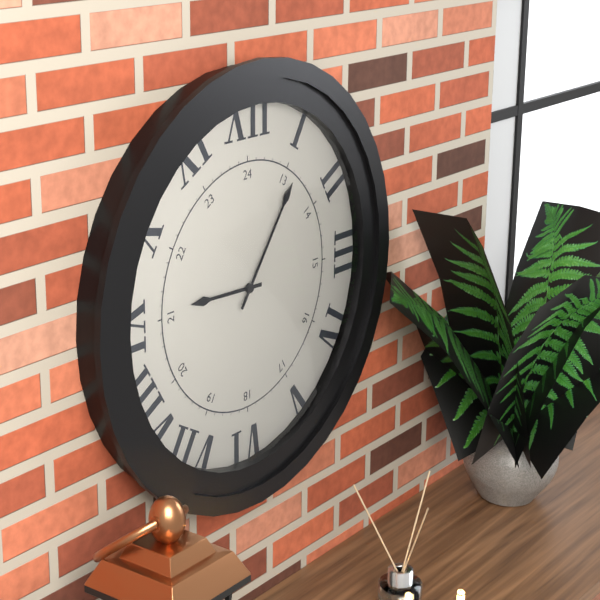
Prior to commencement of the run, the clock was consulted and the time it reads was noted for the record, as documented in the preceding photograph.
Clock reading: 9:06
